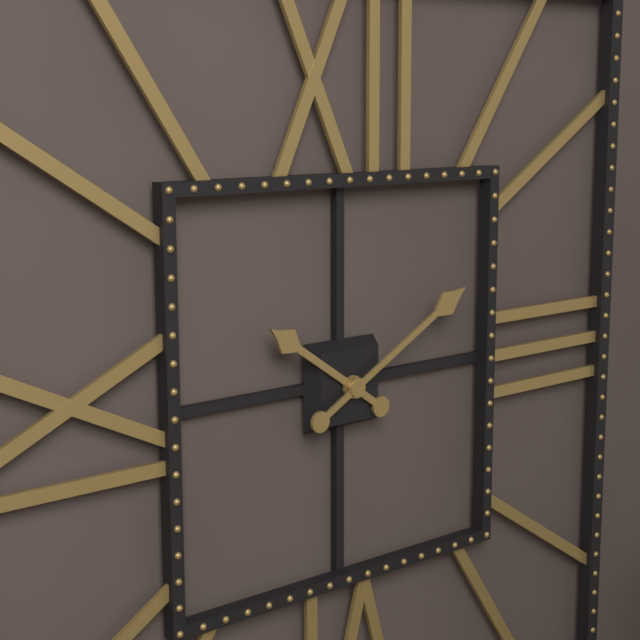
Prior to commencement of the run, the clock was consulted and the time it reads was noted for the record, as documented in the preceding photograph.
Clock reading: 10:10
